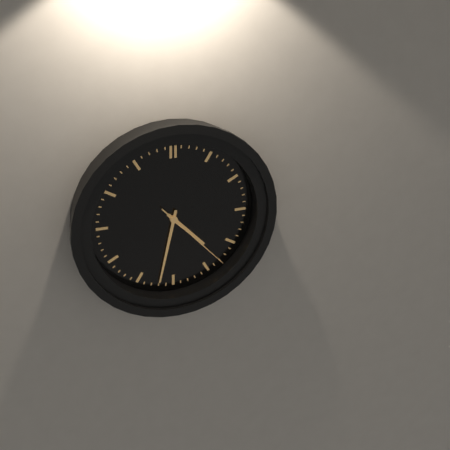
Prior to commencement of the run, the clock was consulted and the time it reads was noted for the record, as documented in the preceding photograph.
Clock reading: 4:32:23
